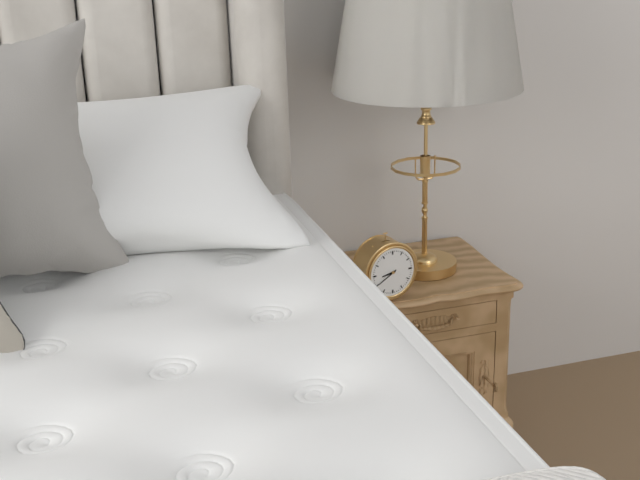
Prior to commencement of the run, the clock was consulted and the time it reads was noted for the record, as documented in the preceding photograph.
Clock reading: 8:40
